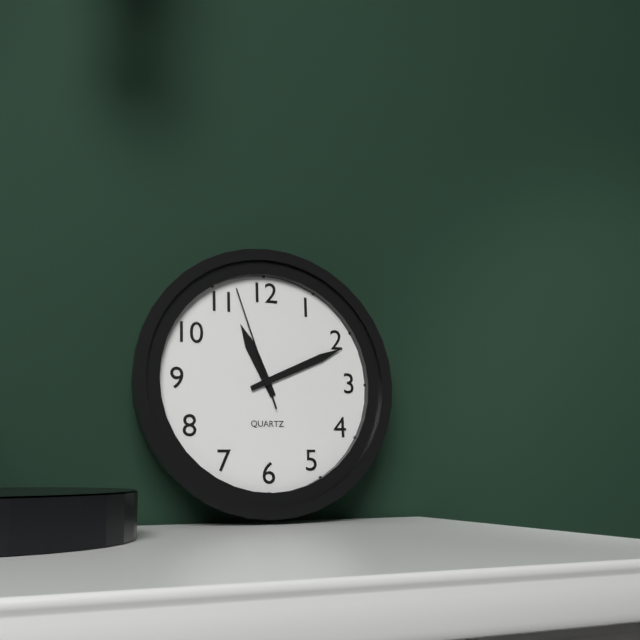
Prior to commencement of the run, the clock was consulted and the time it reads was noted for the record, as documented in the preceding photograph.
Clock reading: 11:11:57
